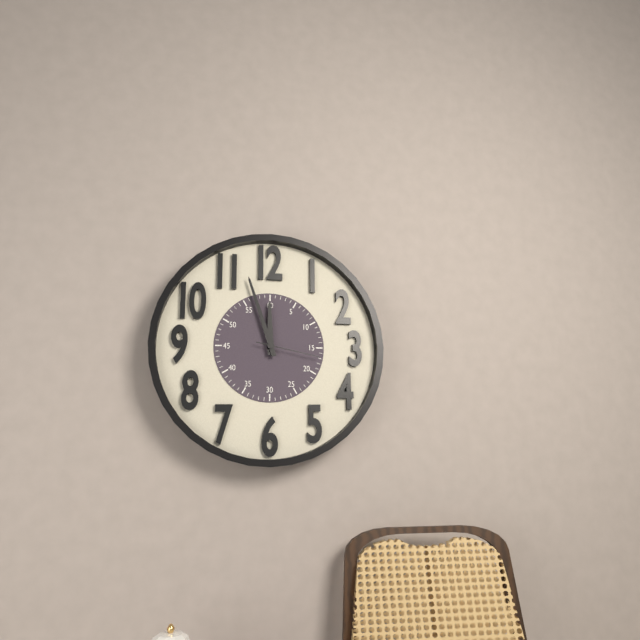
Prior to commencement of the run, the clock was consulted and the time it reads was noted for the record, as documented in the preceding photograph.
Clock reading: 11:57:17
